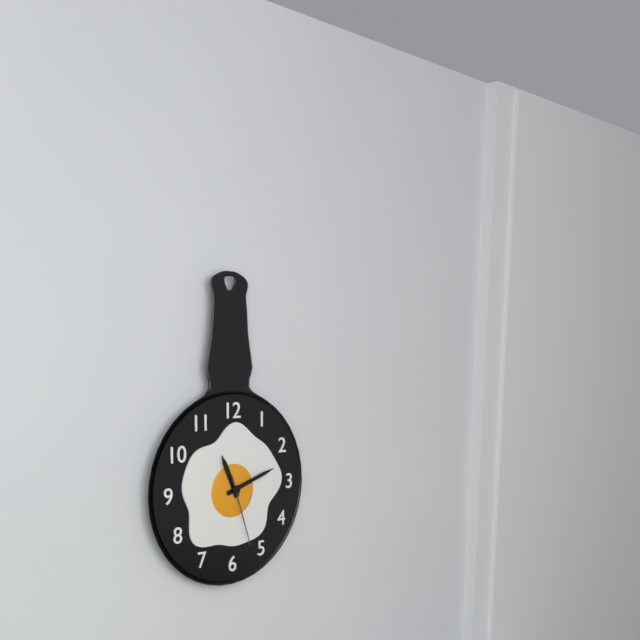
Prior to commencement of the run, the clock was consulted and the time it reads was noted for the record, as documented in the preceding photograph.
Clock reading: 11:12:27
